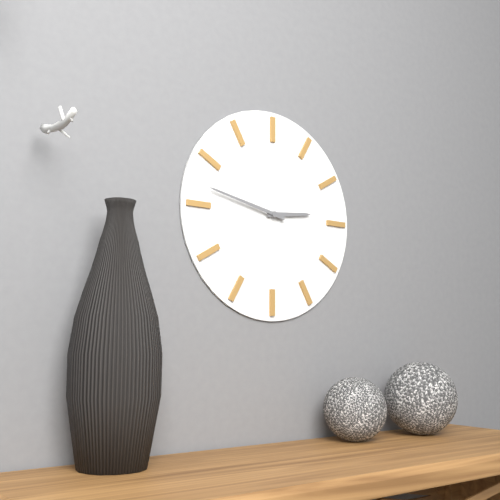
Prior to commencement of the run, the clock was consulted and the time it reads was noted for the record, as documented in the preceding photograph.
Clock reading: 2:47
